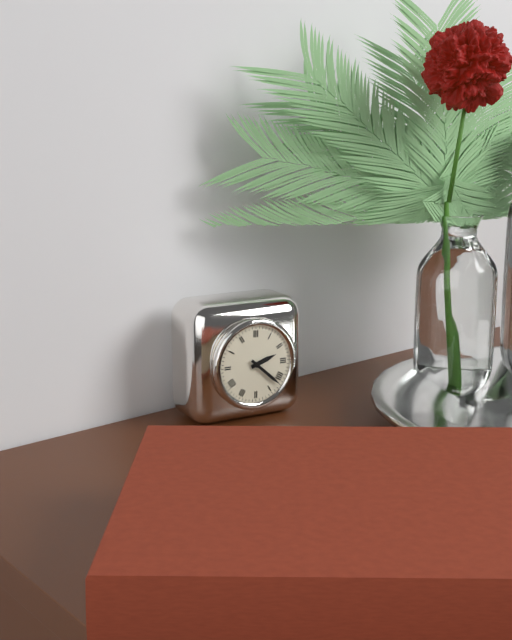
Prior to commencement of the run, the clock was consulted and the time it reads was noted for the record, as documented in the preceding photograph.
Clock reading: 2:22
